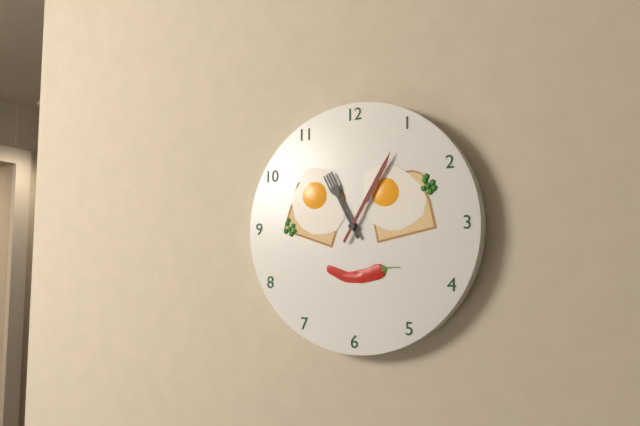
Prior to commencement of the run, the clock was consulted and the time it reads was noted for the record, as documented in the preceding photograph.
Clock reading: 11:05
